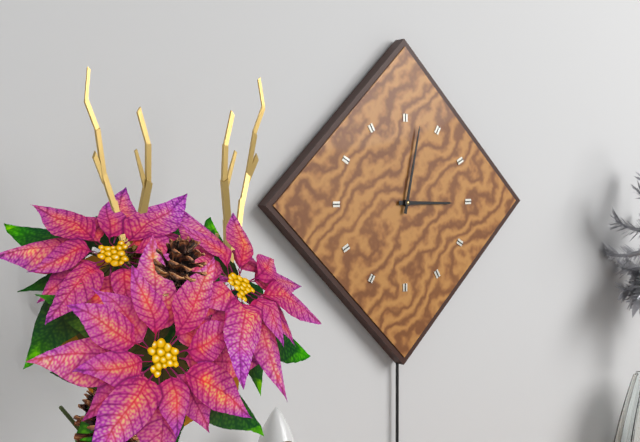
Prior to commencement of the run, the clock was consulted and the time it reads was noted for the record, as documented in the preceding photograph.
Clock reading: 3:02
